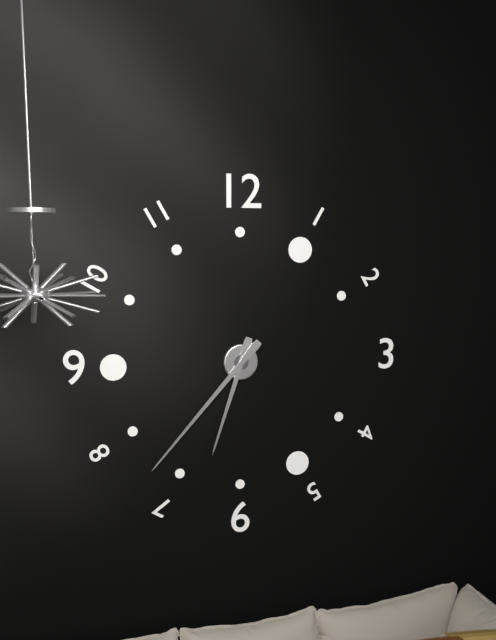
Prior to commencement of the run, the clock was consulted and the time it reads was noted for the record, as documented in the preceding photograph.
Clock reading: 6:37
